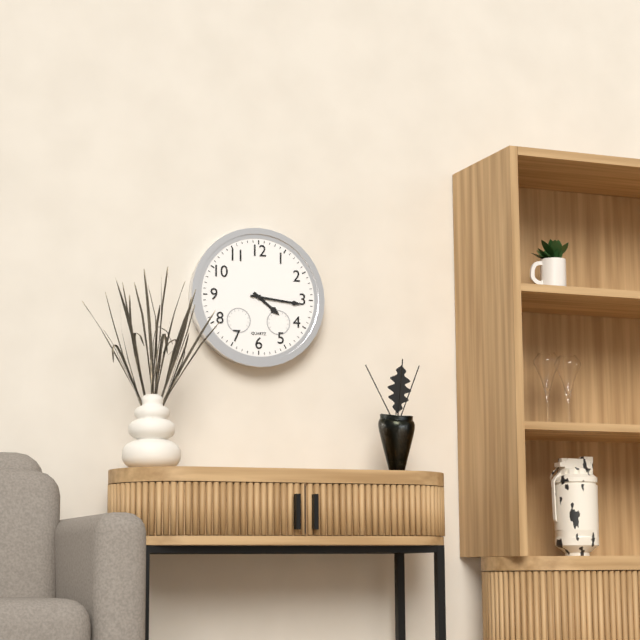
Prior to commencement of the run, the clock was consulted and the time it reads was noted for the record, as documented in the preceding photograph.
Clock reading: 4:16
